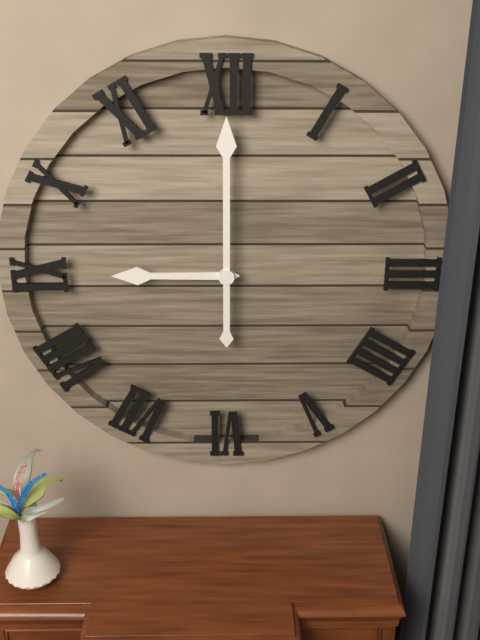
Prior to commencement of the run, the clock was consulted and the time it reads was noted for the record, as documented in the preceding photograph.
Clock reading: 9:00
